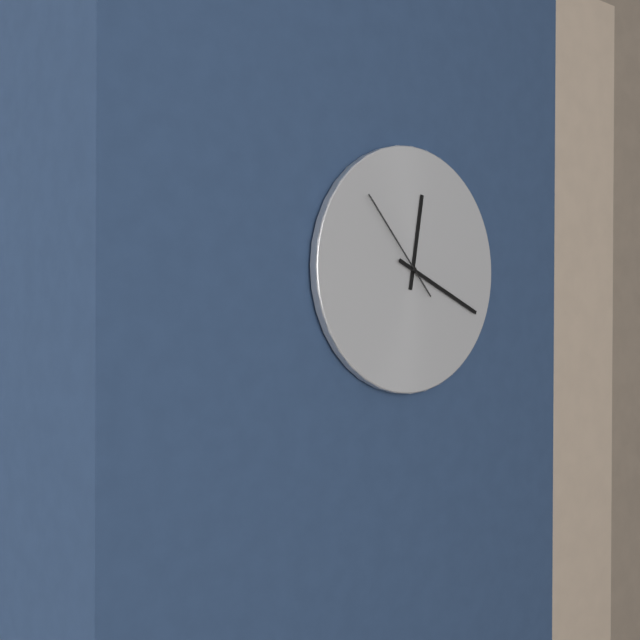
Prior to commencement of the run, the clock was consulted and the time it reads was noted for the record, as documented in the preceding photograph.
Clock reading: 12:19:53
